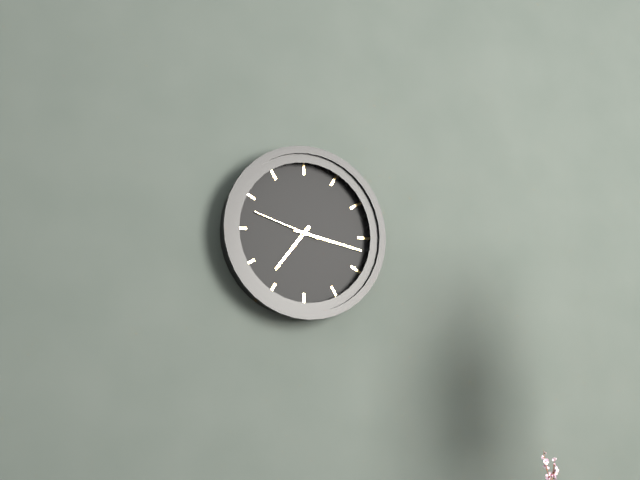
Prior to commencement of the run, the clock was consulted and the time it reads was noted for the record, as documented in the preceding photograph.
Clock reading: 7:17:48
